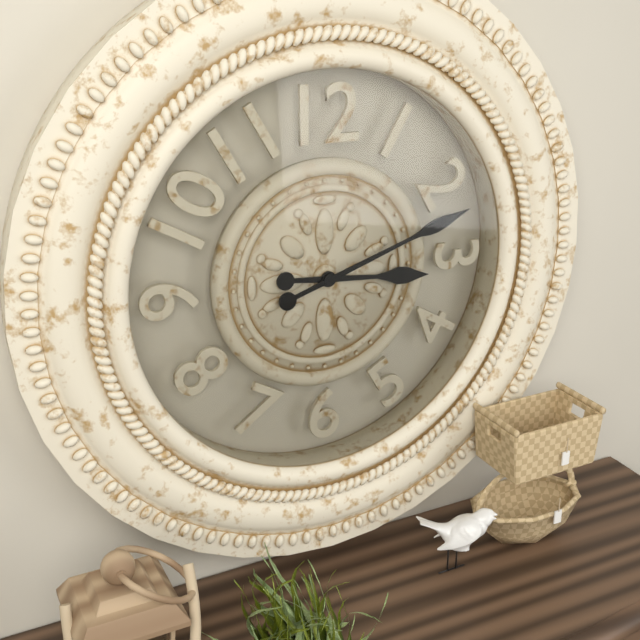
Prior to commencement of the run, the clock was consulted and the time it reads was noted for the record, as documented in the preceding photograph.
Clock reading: 3:12
